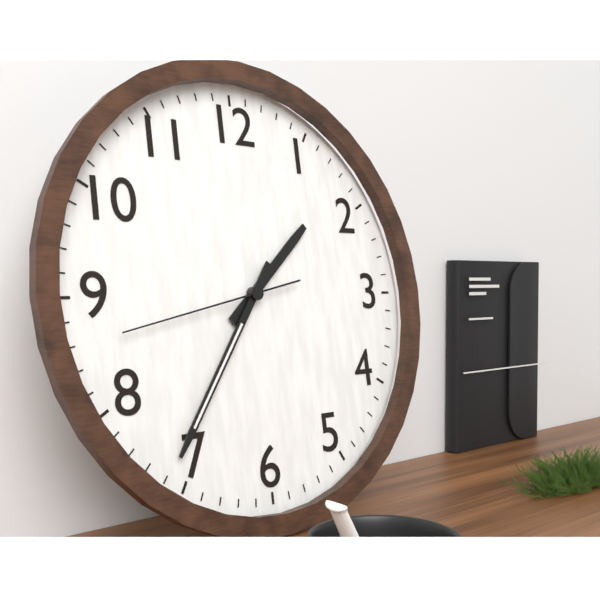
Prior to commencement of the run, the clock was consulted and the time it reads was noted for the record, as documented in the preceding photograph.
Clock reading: 1:36:43
